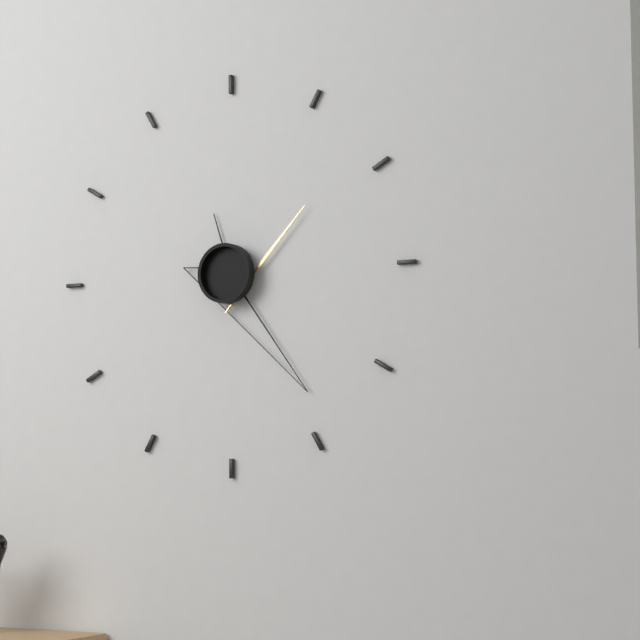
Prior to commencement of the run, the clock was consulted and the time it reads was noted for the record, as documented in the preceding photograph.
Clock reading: 11:24:09
